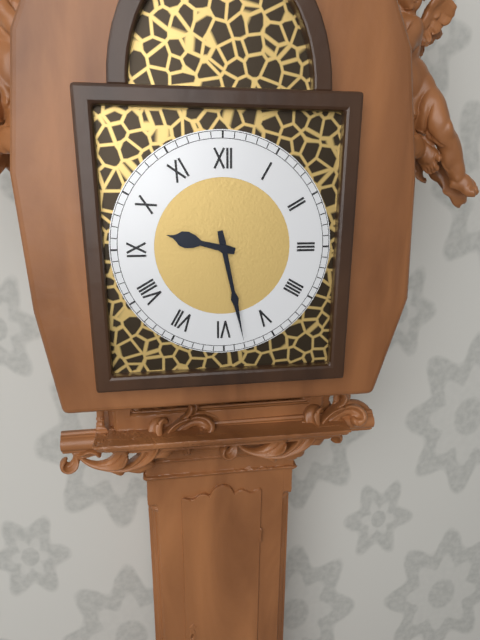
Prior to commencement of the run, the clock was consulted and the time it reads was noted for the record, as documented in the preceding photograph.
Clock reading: 9:28
